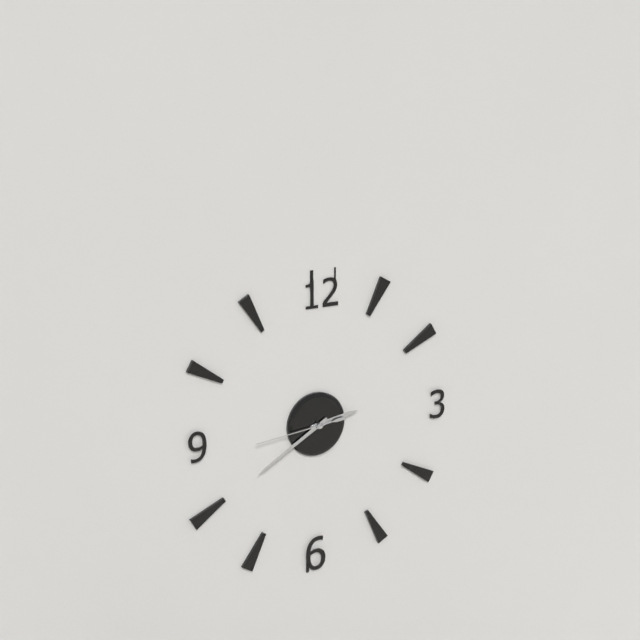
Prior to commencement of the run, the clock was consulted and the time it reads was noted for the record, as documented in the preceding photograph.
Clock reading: 2:40:44
